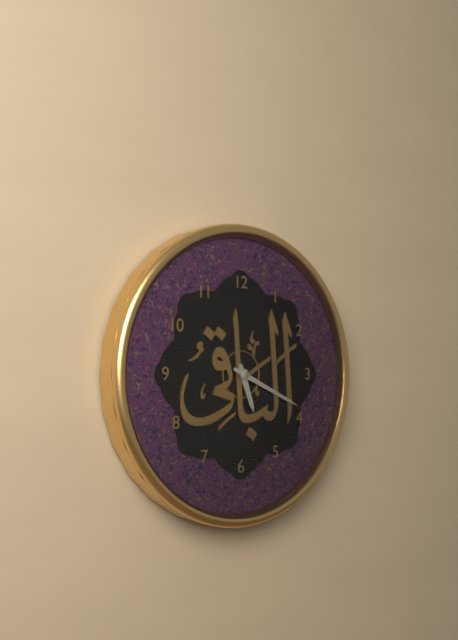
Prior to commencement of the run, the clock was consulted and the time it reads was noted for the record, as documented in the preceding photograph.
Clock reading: 5:19
